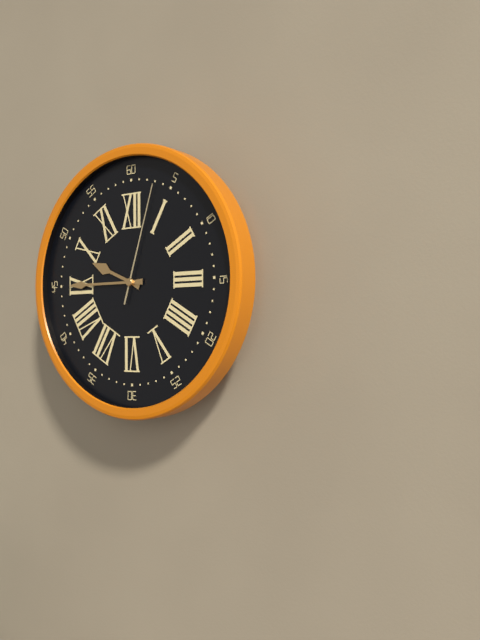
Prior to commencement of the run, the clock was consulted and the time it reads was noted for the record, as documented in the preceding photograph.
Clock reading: 9:45:03
